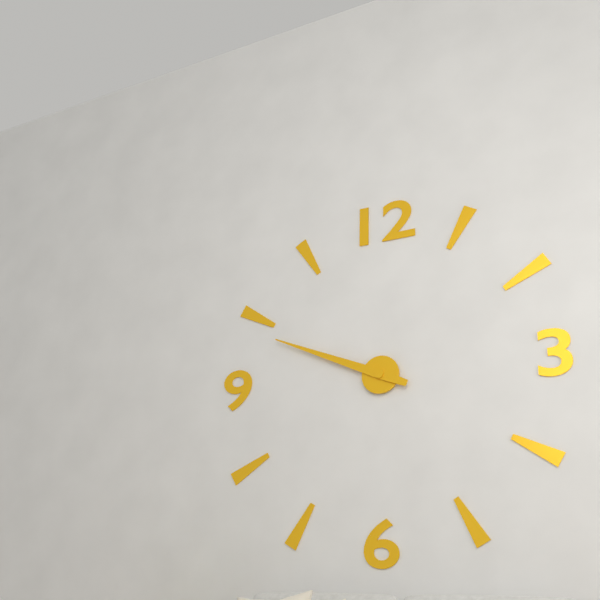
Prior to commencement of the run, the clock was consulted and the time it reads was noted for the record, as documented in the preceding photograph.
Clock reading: 9:49
